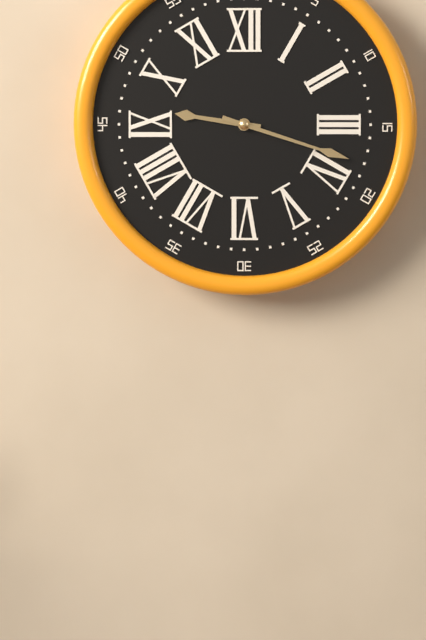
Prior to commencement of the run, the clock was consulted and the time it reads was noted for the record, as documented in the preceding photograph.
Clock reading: 9:18
